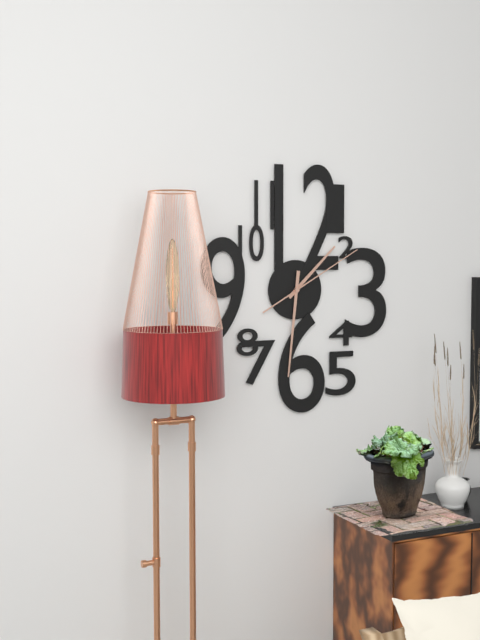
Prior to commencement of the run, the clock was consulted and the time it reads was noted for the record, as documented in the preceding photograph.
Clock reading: 1:31:10
